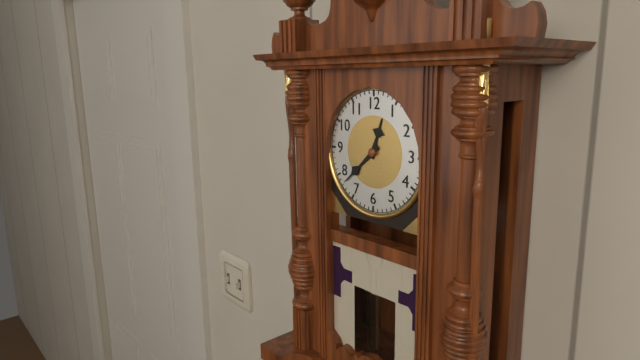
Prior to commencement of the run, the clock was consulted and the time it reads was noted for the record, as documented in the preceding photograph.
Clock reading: 12:38
